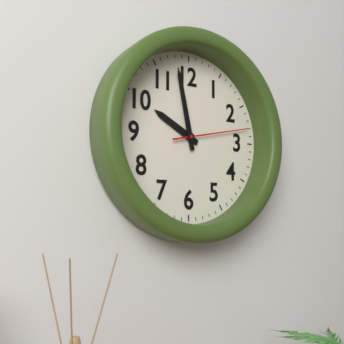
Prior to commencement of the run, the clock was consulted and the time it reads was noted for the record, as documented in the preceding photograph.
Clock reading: 9:58:13
